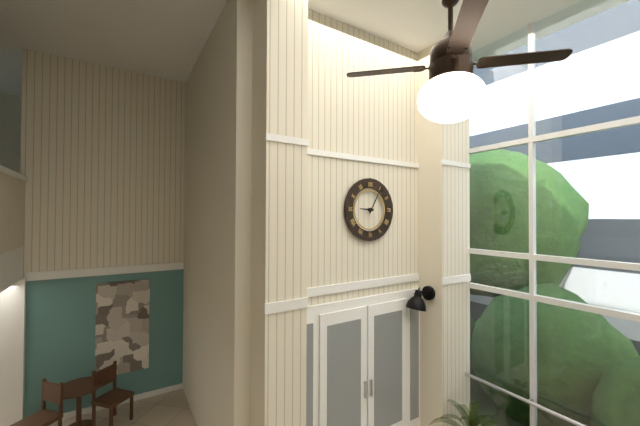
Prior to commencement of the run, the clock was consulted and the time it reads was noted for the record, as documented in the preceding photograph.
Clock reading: 9:05
